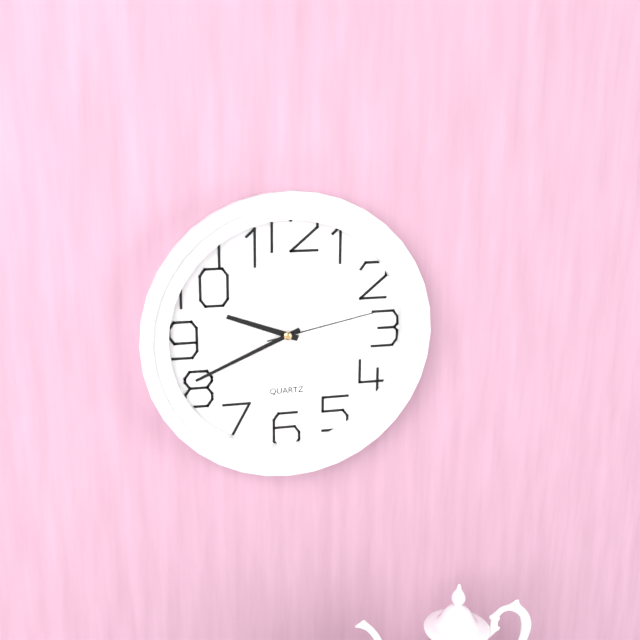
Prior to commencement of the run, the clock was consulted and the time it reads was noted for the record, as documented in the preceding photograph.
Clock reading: 9:41:13
